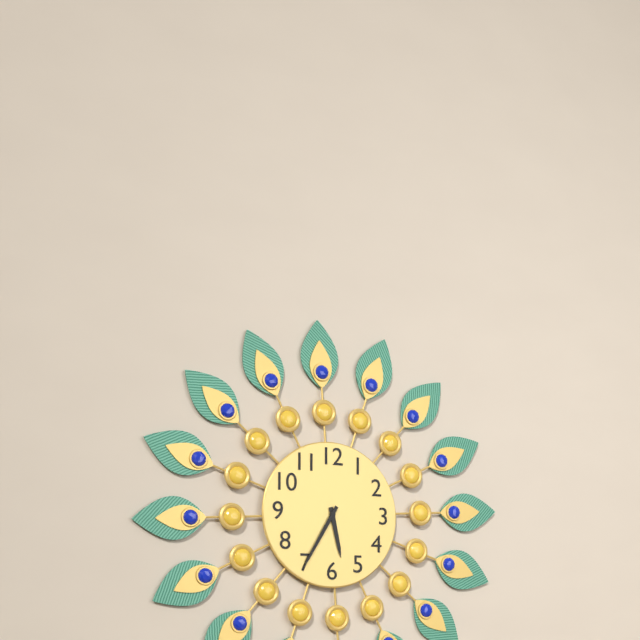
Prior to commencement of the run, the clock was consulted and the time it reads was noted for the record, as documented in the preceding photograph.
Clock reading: 5:35
